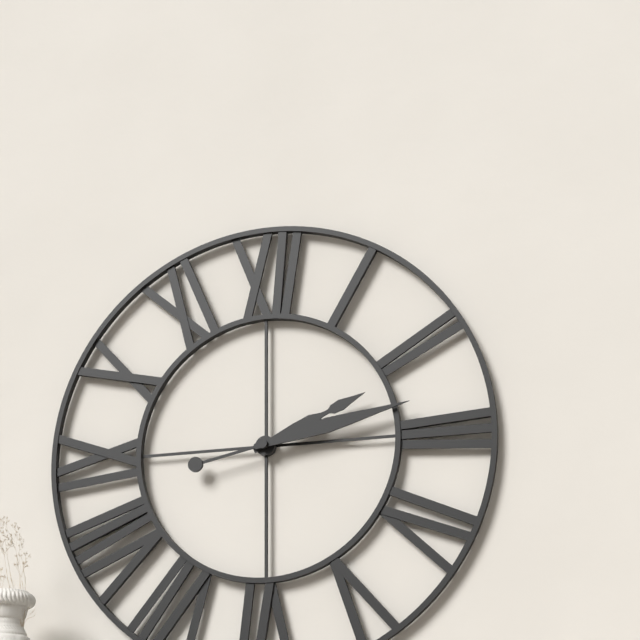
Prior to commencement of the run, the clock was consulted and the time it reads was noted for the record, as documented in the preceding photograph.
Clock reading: 2:13
